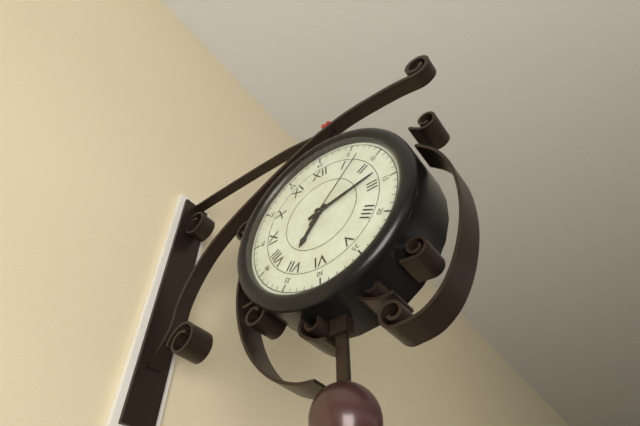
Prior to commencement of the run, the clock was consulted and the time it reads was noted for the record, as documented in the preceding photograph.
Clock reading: 7:13:07
